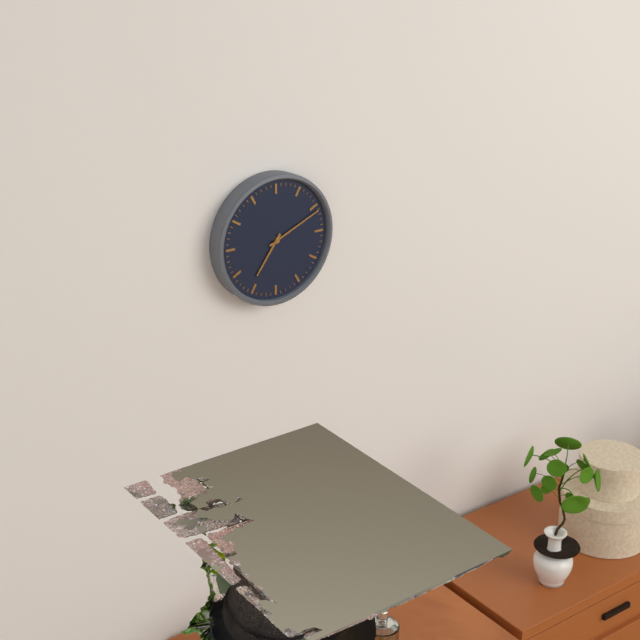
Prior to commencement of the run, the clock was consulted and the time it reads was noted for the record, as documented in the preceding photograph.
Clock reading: 7:11
